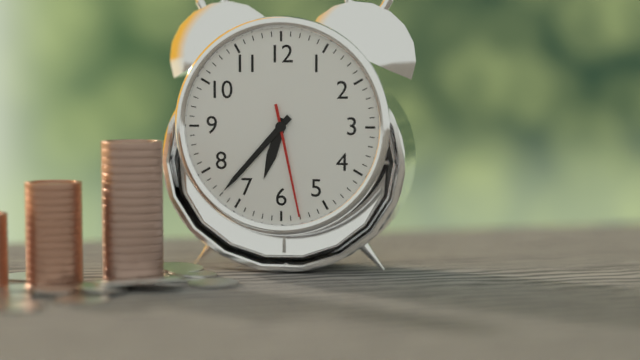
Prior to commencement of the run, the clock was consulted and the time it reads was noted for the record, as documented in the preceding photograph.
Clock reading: 6:37:28
